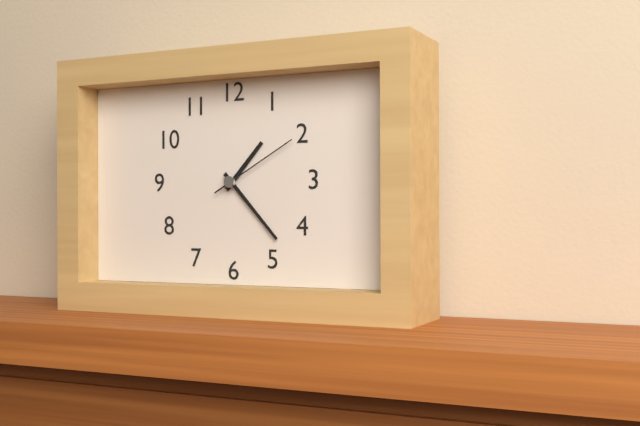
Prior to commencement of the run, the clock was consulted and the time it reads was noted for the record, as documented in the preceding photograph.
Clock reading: 1:23:10
